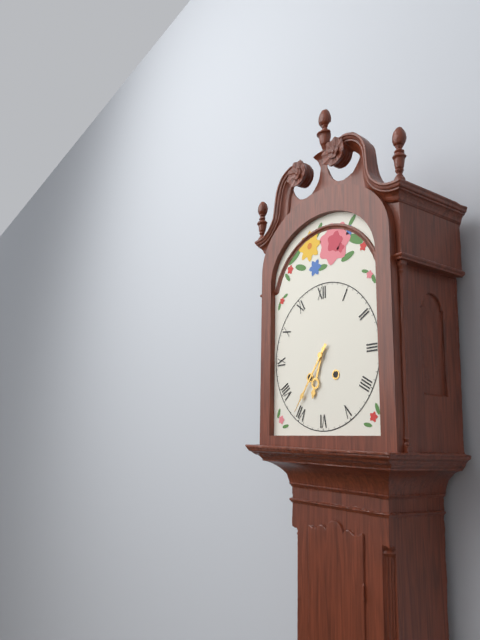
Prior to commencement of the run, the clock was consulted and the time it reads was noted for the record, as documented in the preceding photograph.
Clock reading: 6:36
